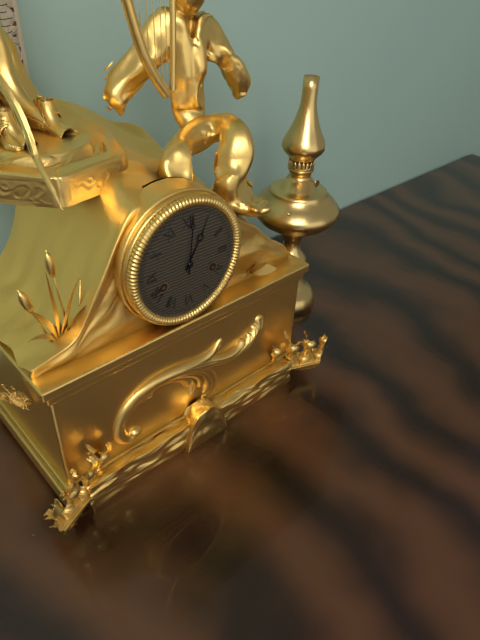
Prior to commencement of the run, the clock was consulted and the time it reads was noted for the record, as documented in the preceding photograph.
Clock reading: 1:01
